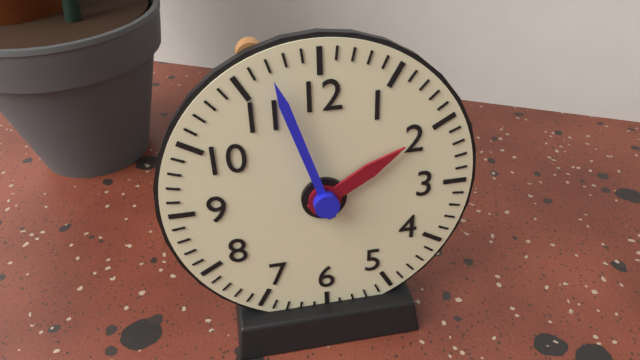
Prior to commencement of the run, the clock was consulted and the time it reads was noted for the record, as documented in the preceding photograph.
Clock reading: 1:57
